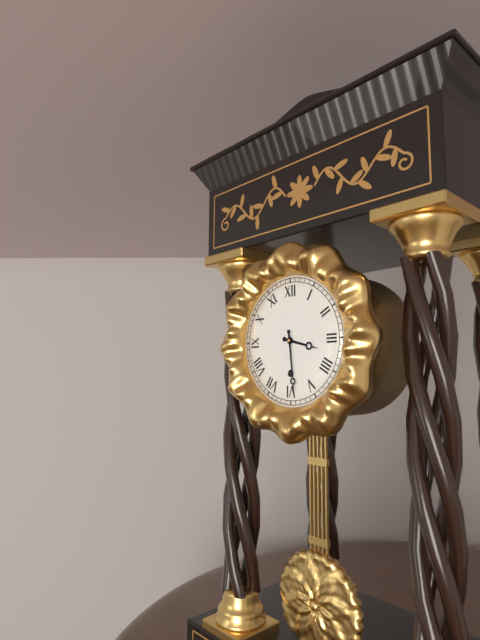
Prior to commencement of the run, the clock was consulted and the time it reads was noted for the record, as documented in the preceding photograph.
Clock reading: 3:29
